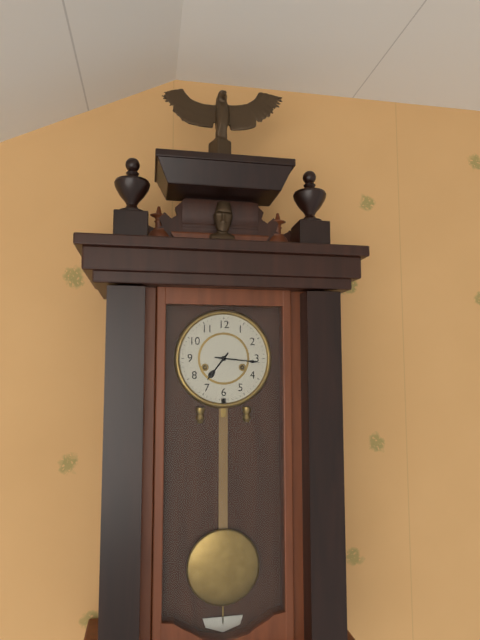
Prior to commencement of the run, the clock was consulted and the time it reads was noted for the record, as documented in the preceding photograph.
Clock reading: 7:16
